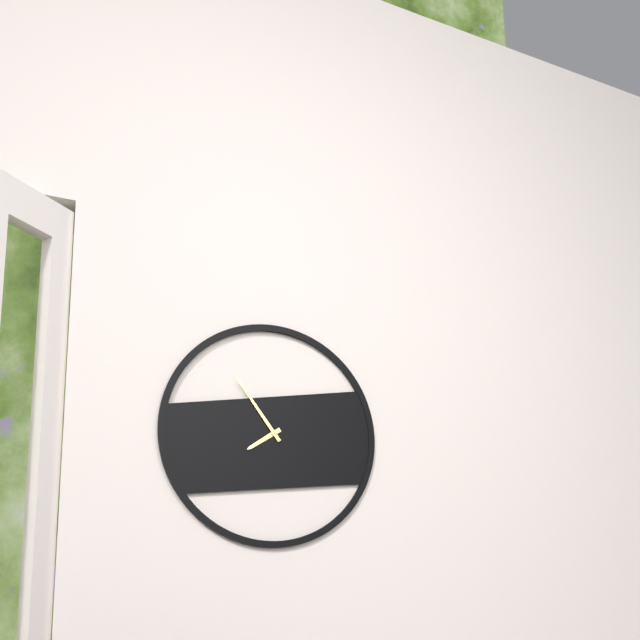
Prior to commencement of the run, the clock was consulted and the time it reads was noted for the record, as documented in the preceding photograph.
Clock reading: 7:54
